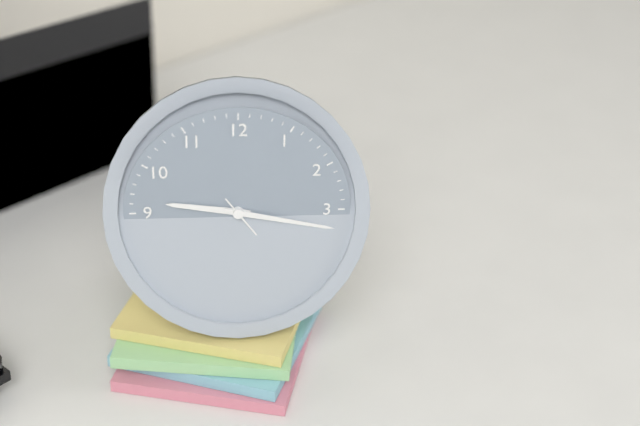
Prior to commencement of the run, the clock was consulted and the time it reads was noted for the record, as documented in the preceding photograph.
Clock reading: 9:17
